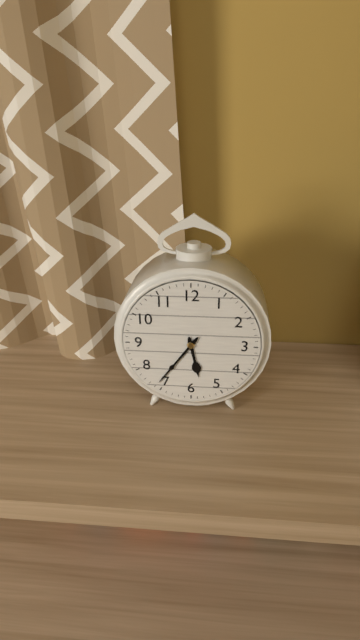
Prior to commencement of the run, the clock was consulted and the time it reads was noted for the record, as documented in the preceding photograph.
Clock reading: 5:36
